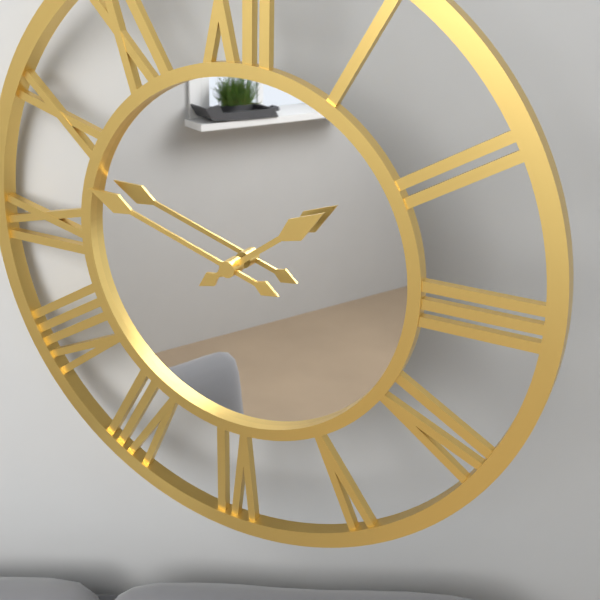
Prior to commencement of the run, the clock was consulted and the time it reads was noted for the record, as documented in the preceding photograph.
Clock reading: 1:48
